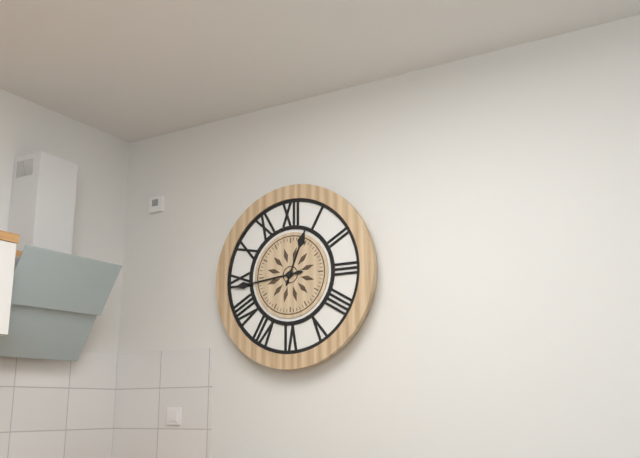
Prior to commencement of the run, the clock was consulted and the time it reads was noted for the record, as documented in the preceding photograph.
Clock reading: 12:44
